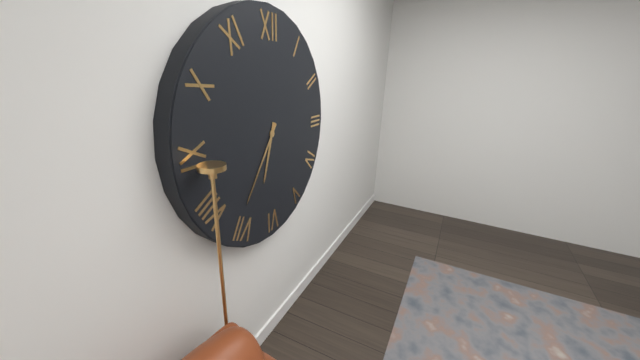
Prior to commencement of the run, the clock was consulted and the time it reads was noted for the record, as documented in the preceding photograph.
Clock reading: 6:36
